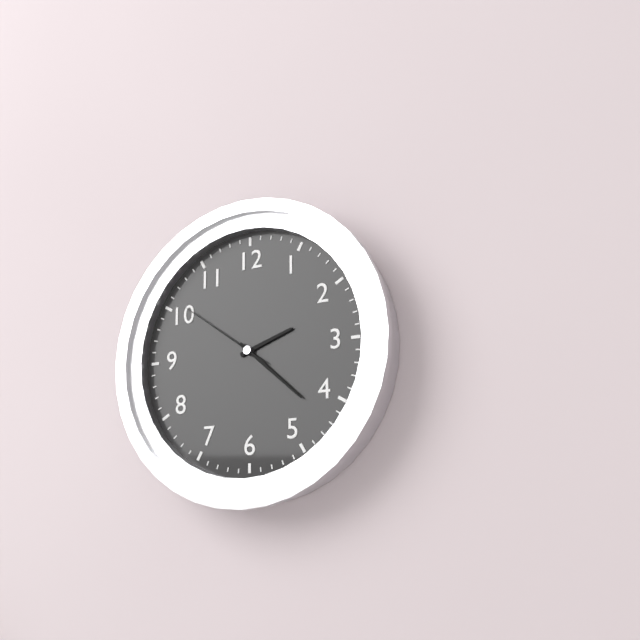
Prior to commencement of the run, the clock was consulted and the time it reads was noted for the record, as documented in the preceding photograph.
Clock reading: 2:22:51
